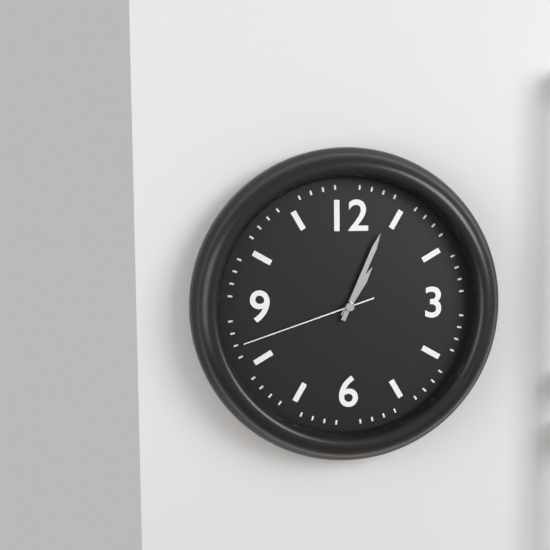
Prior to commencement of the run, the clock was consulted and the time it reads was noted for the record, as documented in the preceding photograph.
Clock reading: 1:04:42
